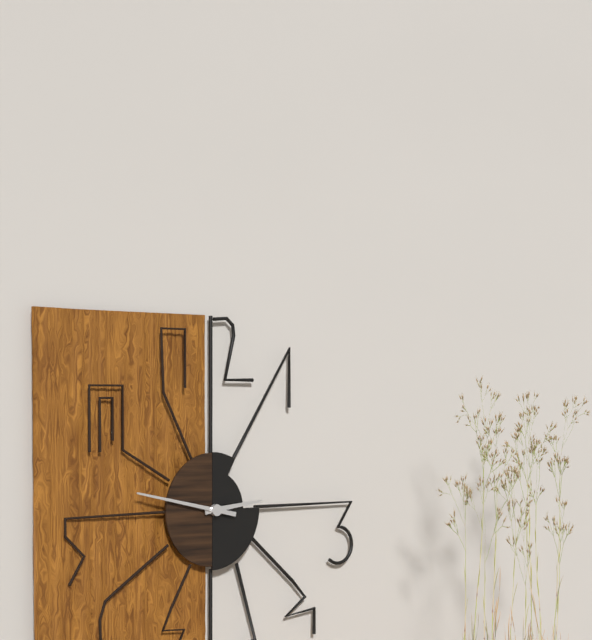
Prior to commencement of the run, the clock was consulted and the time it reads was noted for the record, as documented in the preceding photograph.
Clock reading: 2:47
